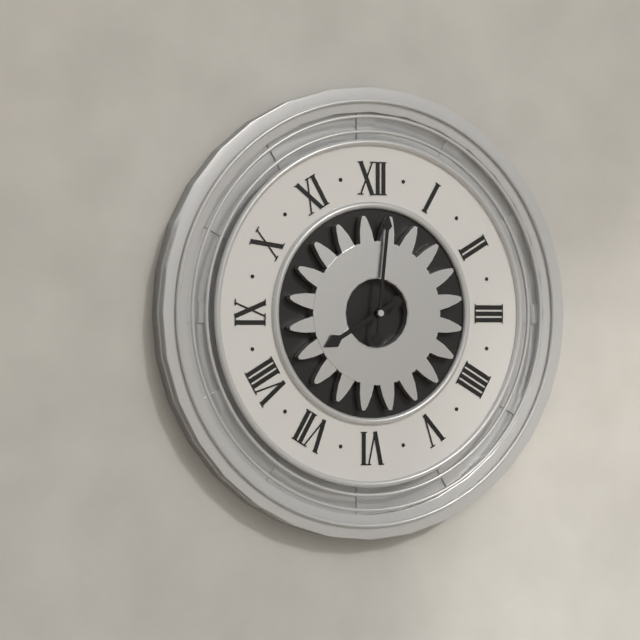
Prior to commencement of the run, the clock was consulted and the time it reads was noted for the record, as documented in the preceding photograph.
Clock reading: 8:01
